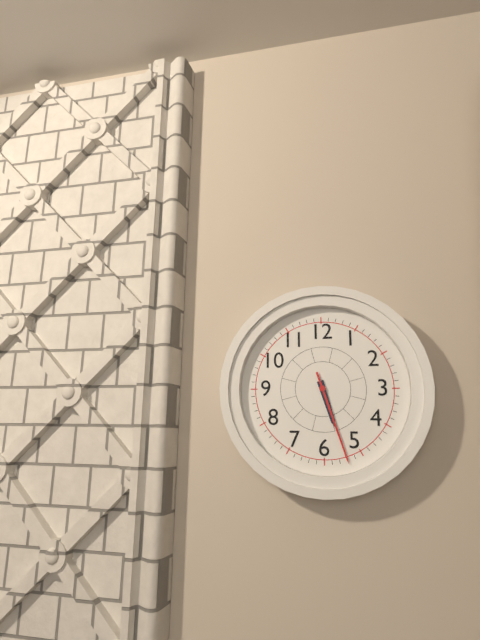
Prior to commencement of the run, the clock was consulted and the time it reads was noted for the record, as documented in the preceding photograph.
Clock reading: 5:27
